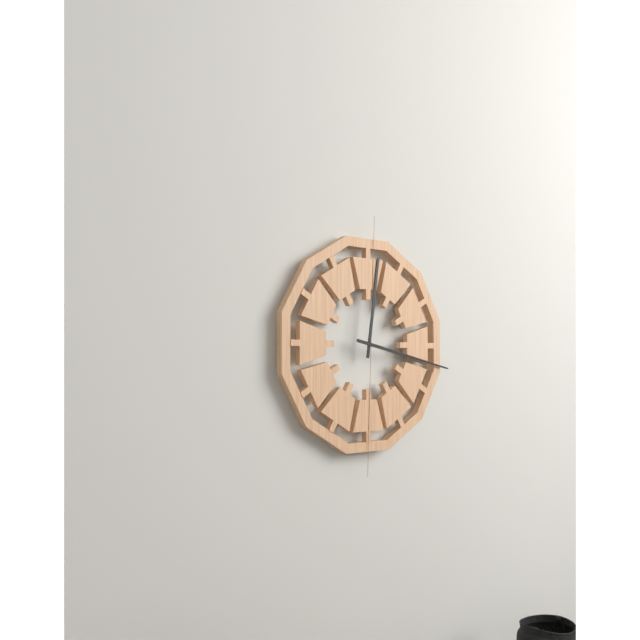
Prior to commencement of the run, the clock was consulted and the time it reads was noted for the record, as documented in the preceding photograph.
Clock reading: 12:17
